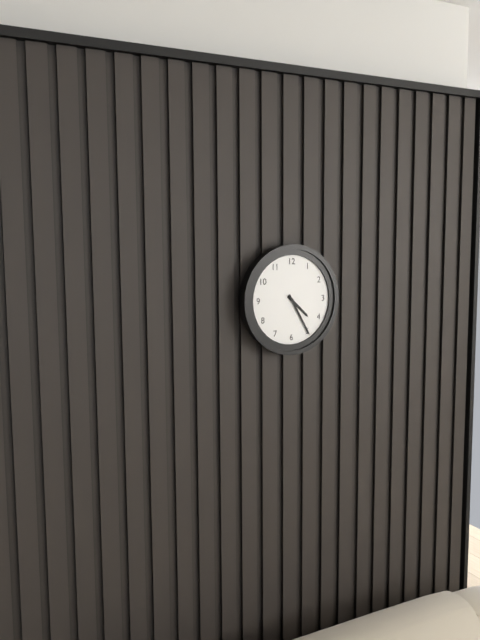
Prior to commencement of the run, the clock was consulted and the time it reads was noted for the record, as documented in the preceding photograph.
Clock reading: 4:25
